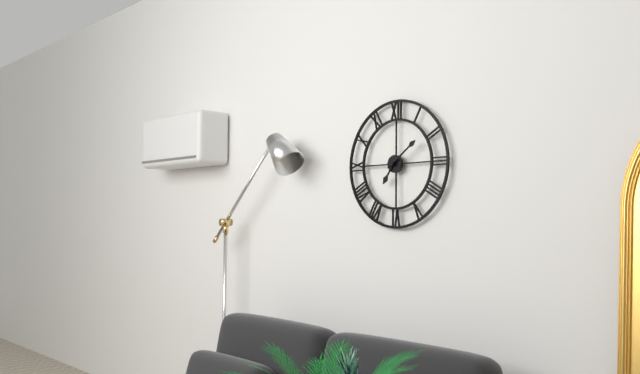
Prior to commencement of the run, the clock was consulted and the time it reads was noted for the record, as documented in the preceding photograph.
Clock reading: 7:09
